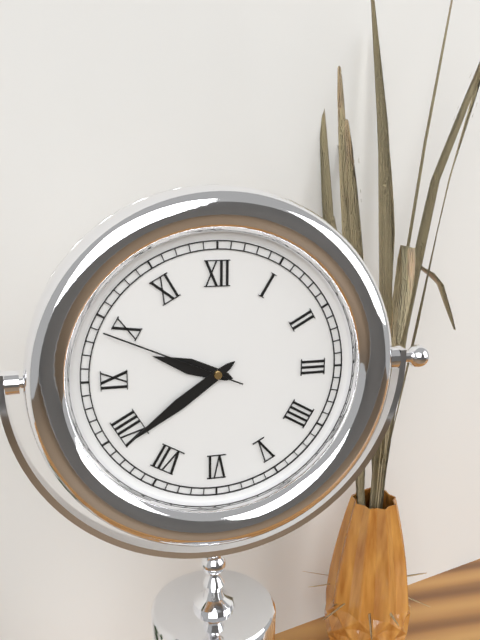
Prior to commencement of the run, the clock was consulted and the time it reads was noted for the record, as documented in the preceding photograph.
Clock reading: 9:39:49
